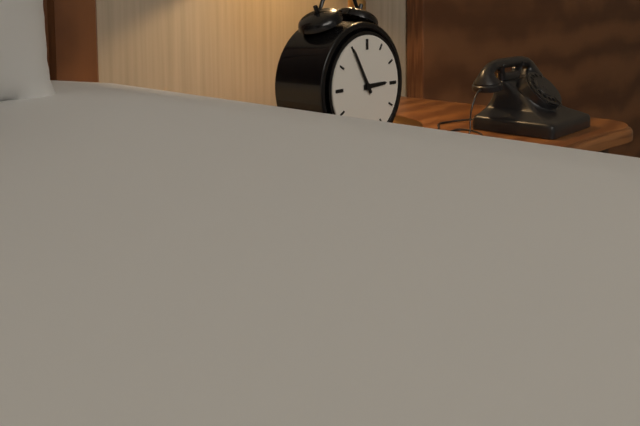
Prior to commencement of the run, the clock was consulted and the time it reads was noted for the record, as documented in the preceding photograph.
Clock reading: 2:55
